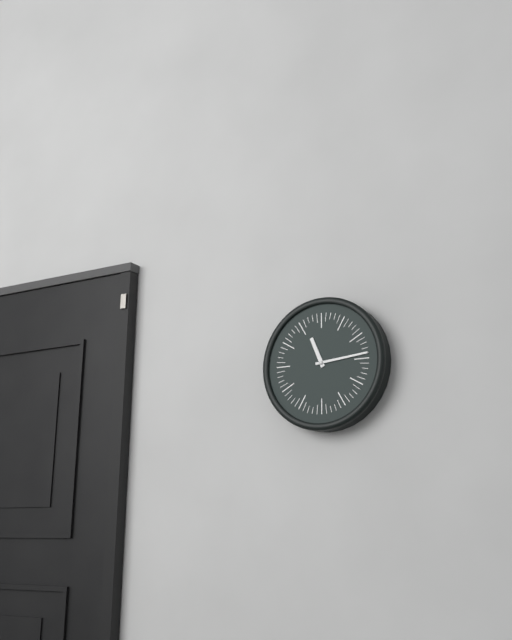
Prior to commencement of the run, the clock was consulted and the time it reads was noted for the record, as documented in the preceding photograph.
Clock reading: 11:14
